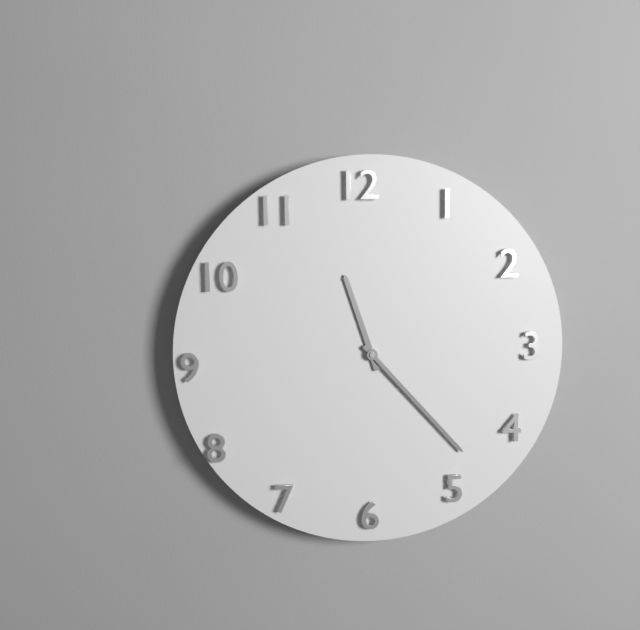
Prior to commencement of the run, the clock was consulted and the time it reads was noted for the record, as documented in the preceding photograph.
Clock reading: 11:23
